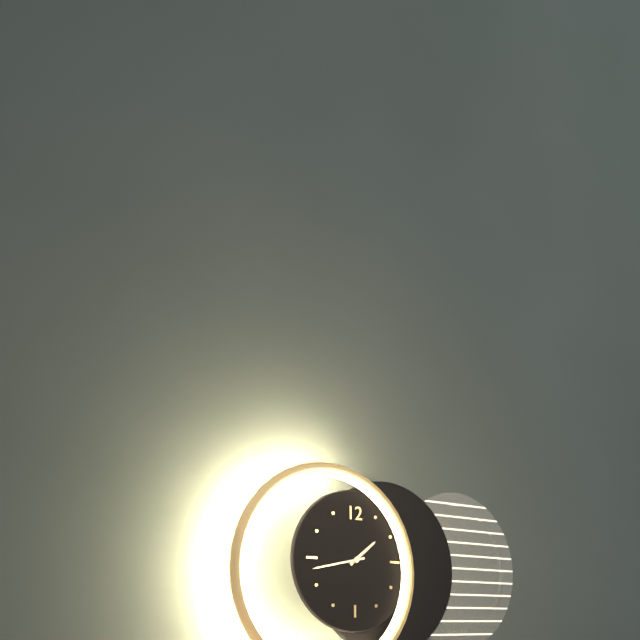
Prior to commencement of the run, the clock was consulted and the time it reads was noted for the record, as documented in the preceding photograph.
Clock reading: 1:43
